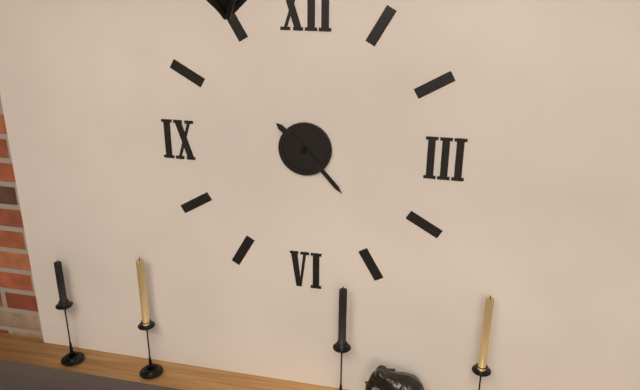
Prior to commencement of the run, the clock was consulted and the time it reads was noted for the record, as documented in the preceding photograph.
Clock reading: 10:23
